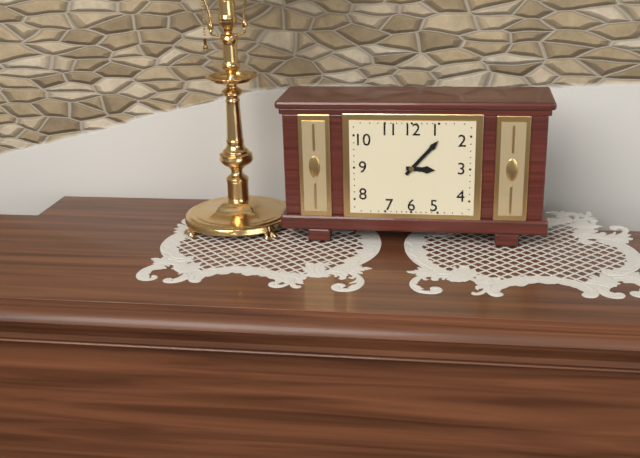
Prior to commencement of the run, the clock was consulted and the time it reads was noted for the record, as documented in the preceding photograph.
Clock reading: 3:07
